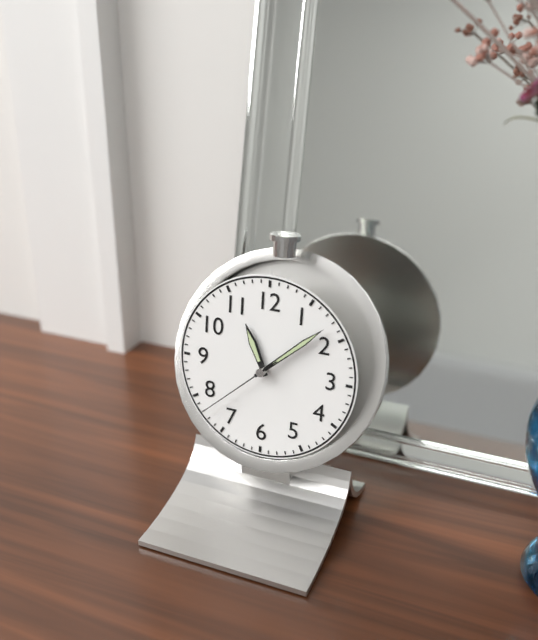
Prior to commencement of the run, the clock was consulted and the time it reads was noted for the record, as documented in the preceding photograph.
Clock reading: 11:08:38
